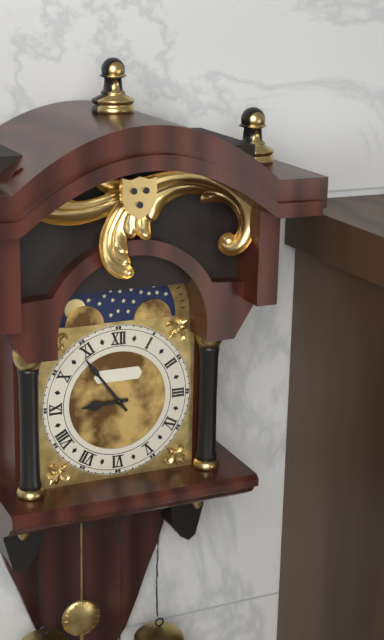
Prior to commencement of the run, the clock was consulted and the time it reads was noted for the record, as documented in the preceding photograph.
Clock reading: 8:54
